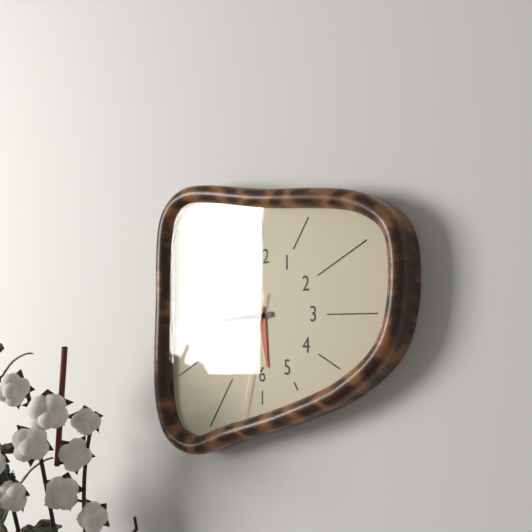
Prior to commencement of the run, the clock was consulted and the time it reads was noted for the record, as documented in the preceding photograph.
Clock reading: 5:44:32
